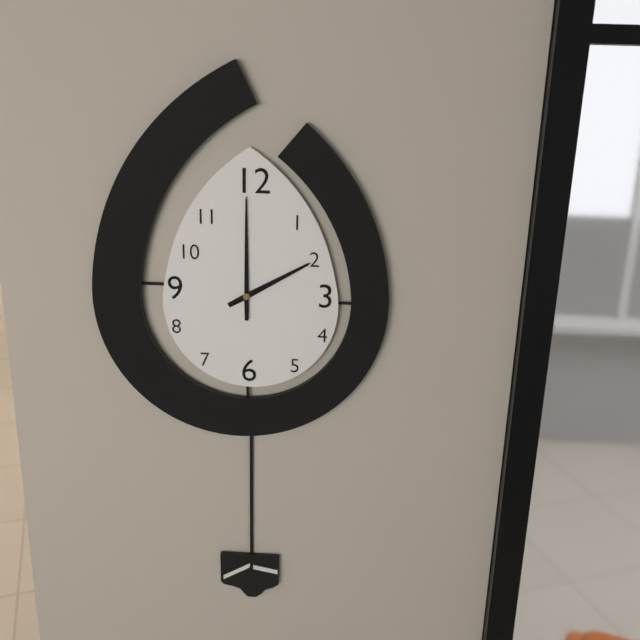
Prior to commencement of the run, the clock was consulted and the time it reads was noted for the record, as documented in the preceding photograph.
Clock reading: 2:00
